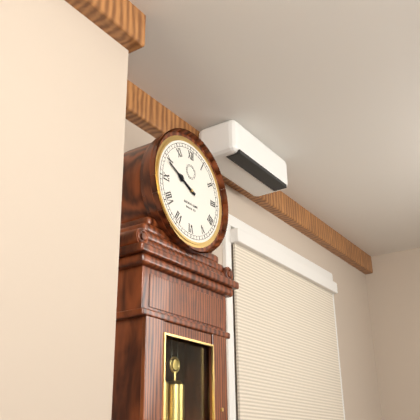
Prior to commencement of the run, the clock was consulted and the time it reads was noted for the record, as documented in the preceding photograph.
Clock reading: 9:49
